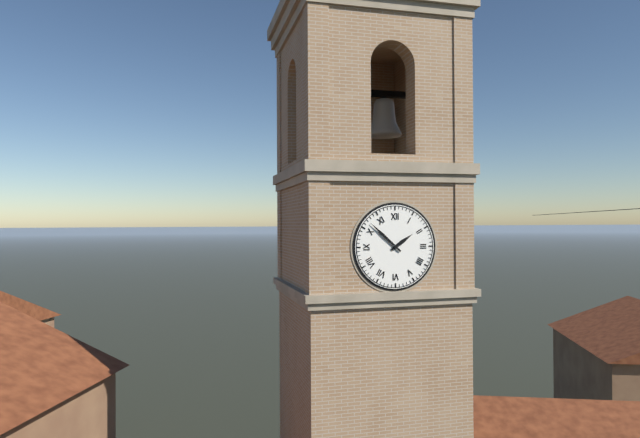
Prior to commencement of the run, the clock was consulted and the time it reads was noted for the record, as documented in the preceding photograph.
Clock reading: 1:52
